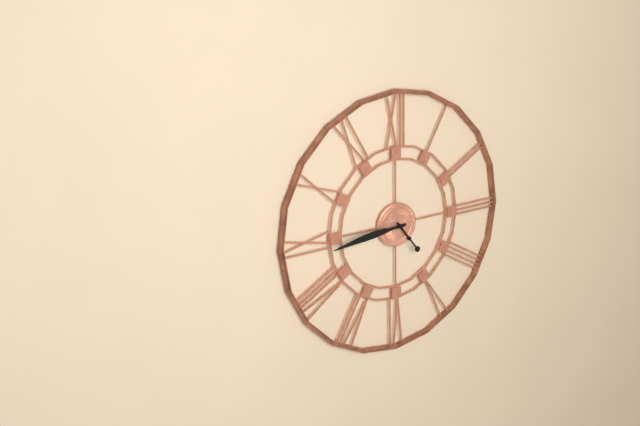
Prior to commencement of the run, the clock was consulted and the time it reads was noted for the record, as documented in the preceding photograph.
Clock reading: 4:44
